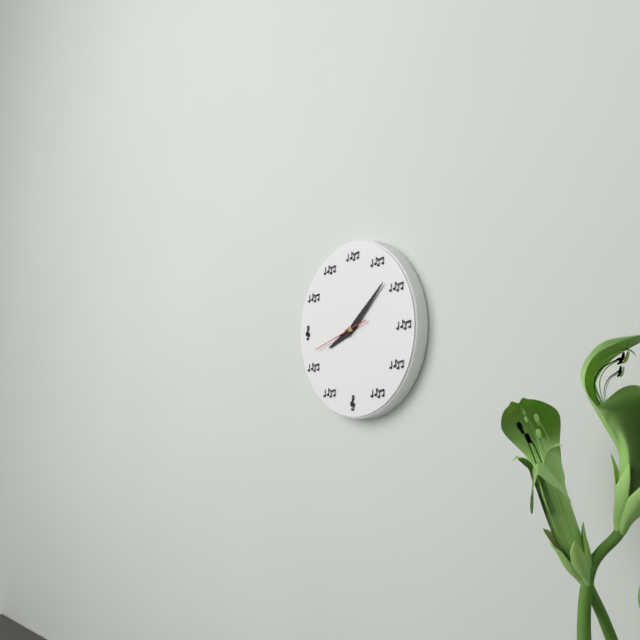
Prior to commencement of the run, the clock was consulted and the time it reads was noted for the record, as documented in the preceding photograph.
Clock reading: 8:08:42
